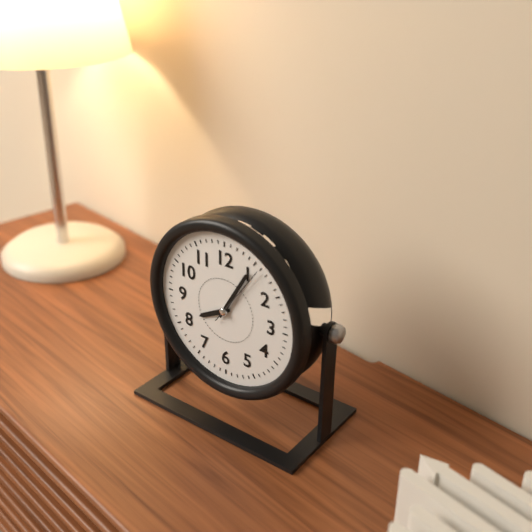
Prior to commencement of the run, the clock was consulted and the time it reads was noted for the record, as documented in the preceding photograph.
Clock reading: 8:05
